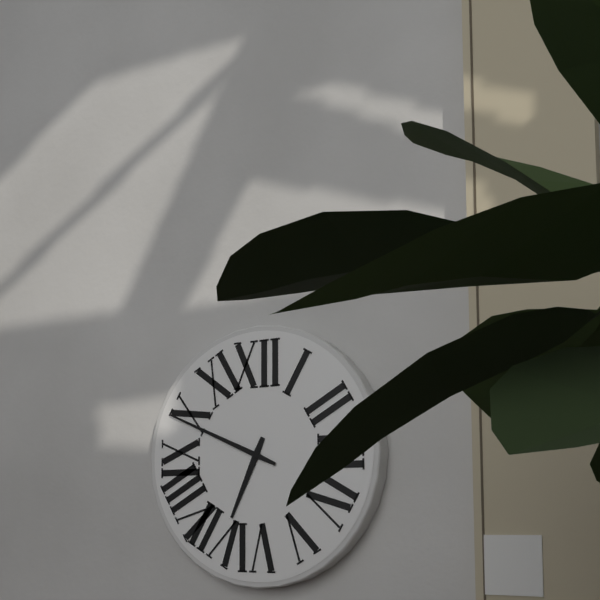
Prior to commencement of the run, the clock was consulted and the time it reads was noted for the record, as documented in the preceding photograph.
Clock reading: 6:49
